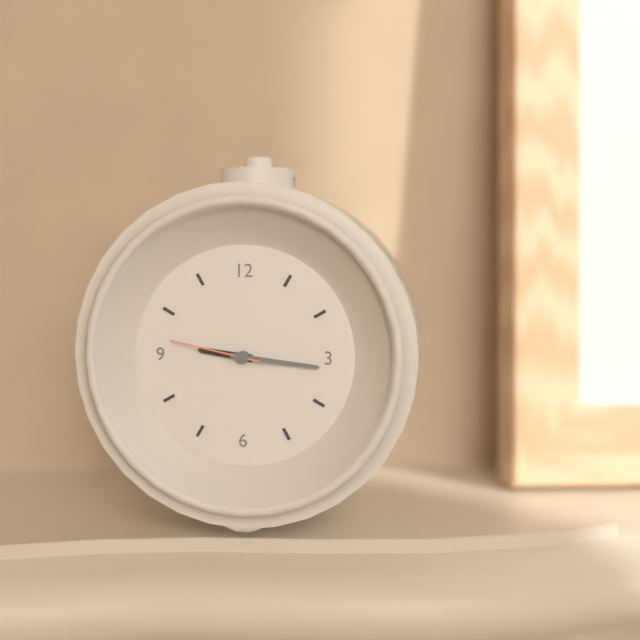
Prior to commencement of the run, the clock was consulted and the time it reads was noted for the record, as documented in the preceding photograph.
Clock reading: 9:16:47
